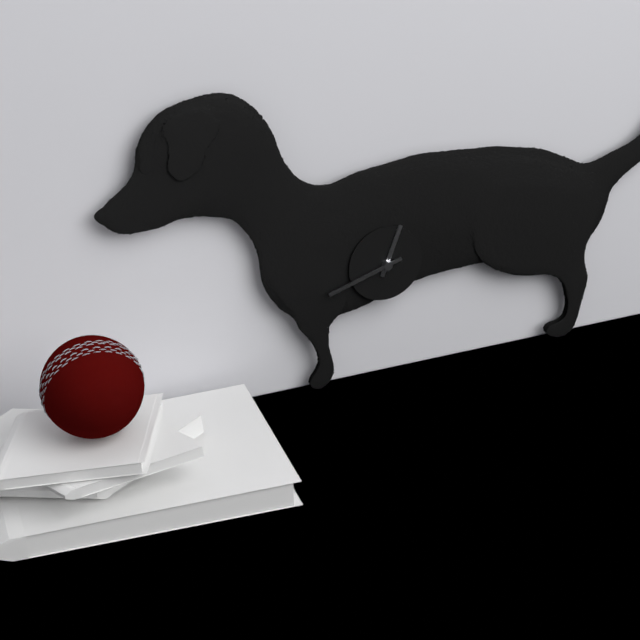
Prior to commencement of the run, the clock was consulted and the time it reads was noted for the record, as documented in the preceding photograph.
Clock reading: 12:42
